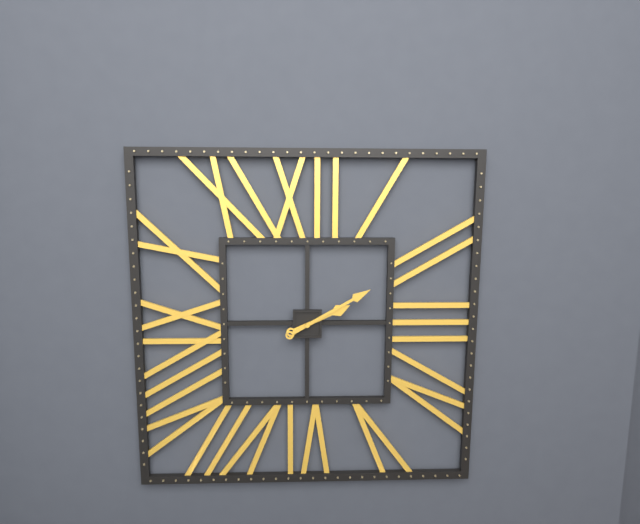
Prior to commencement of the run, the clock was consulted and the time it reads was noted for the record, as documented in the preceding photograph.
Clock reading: 2:10
